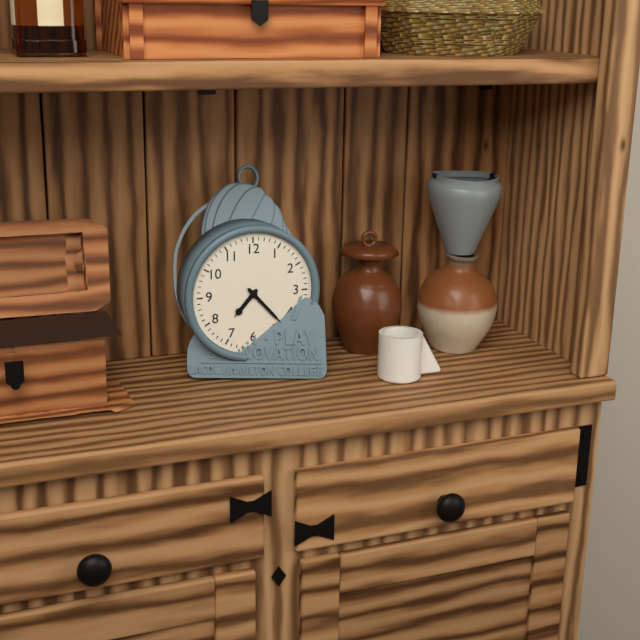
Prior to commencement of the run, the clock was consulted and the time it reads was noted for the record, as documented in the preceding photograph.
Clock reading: 7:23
